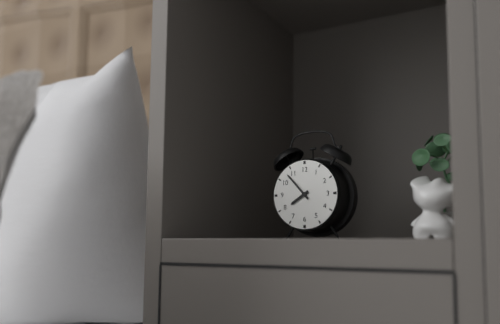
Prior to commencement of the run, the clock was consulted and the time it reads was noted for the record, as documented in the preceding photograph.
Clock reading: 7:53
